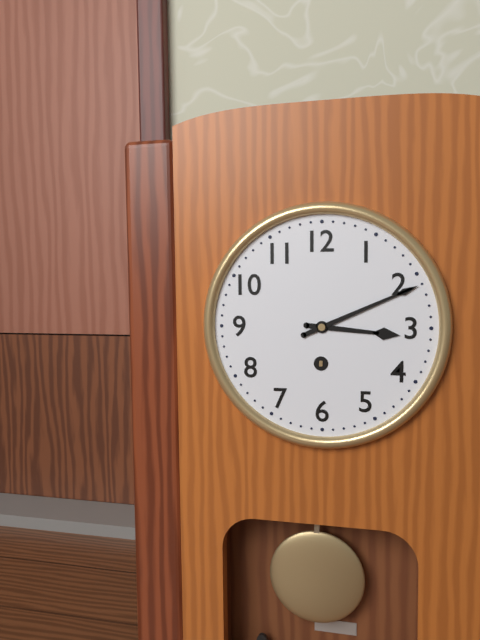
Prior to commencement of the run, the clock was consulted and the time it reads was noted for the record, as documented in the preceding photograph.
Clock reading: 3:11
